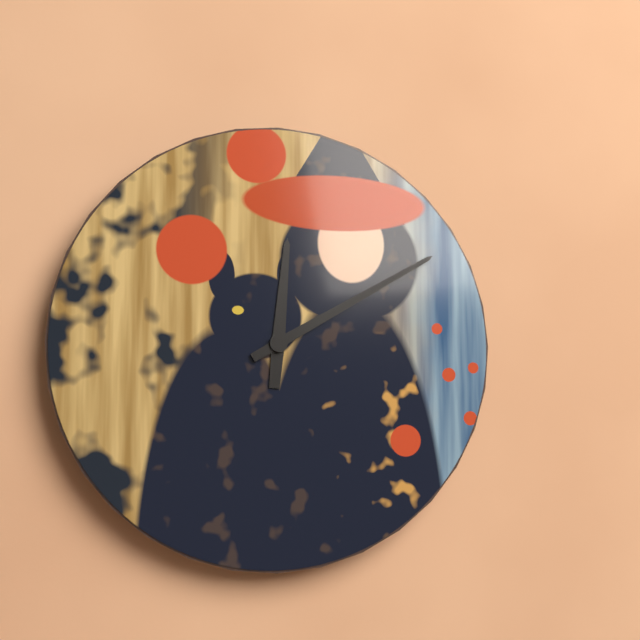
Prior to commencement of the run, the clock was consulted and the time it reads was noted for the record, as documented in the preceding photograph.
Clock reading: 12:10
